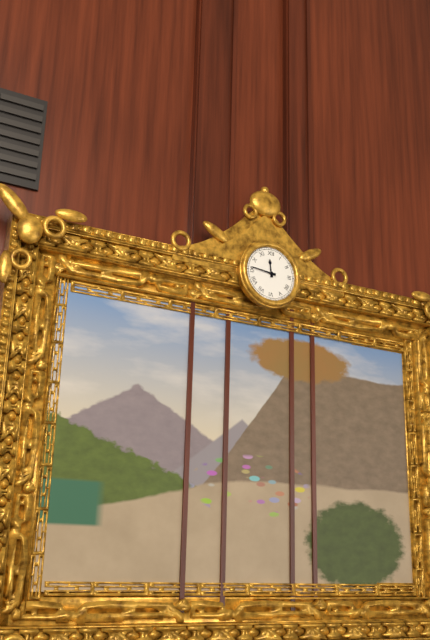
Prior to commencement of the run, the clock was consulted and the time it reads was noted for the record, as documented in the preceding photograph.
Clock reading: 11:46
